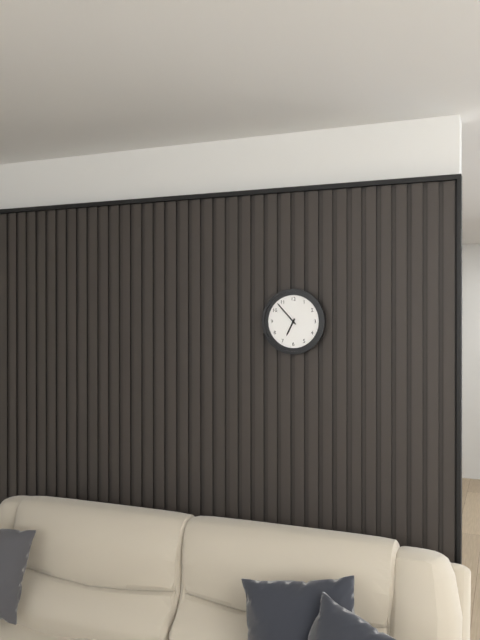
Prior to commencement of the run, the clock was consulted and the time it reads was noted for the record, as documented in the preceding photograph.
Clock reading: 6:53
